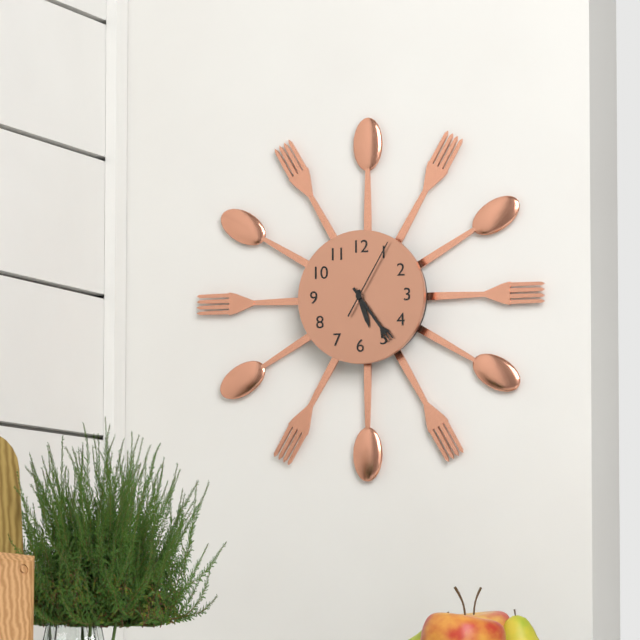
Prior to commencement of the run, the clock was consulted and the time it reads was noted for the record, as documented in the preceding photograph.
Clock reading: 5:24:05
